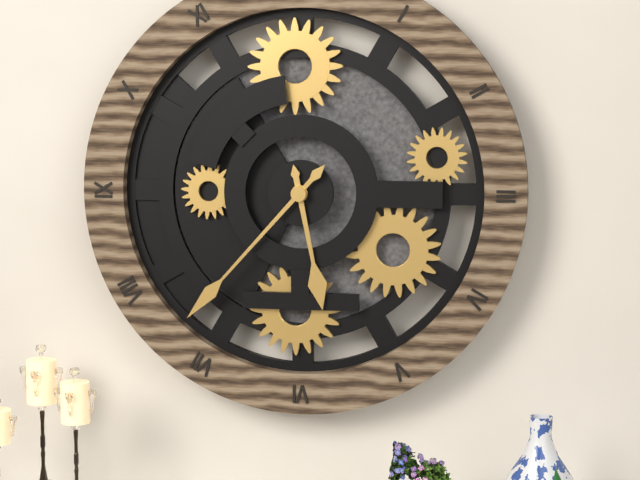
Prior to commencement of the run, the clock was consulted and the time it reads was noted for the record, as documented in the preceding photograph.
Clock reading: 5:37
